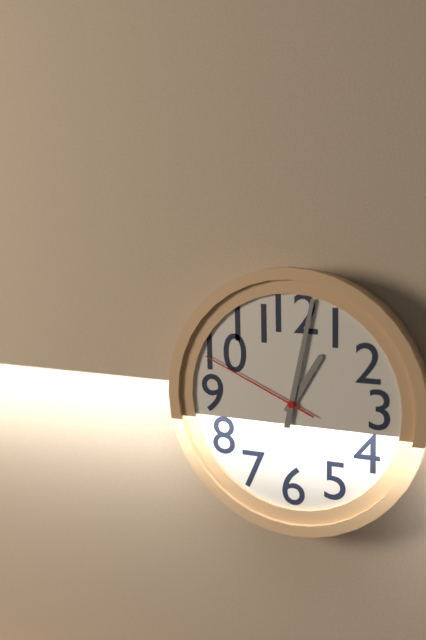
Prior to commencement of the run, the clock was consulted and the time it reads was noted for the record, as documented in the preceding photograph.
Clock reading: 1:02:49
